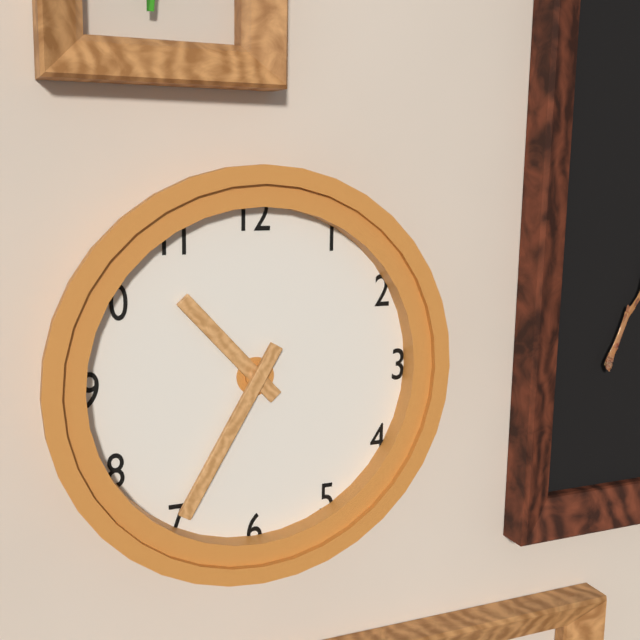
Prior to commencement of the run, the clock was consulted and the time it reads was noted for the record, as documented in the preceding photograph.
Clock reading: 10:35
